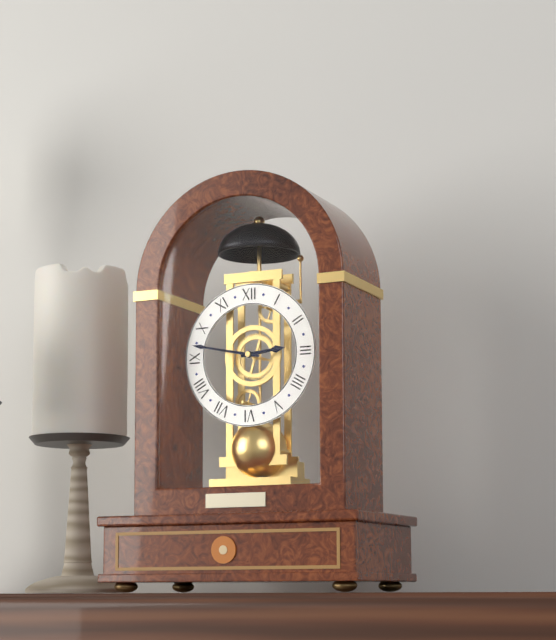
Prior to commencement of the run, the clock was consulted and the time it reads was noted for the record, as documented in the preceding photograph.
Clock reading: 2:47
